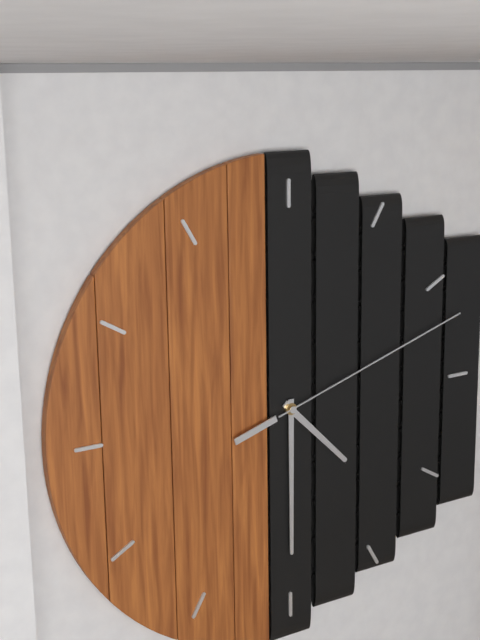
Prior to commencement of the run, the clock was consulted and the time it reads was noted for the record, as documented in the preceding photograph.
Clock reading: 4:30:12
